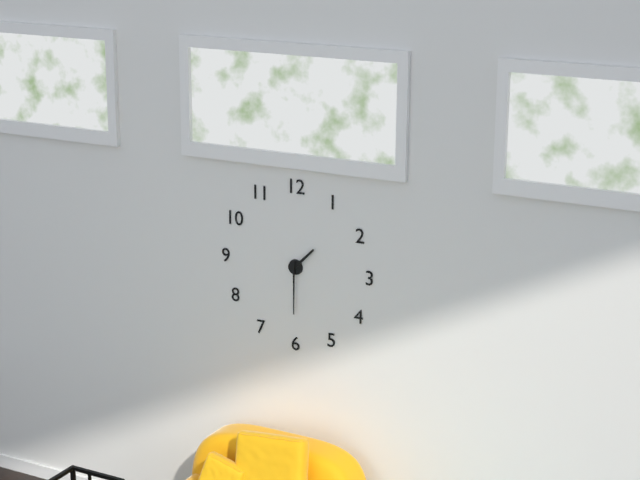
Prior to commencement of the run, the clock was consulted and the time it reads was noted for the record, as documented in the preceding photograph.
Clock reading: 1:30
